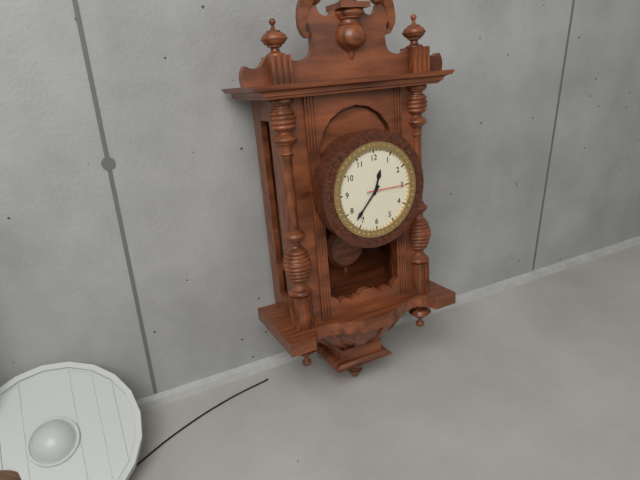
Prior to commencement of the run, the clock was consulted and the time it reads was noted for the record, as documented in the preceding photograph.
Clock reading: 12:37
